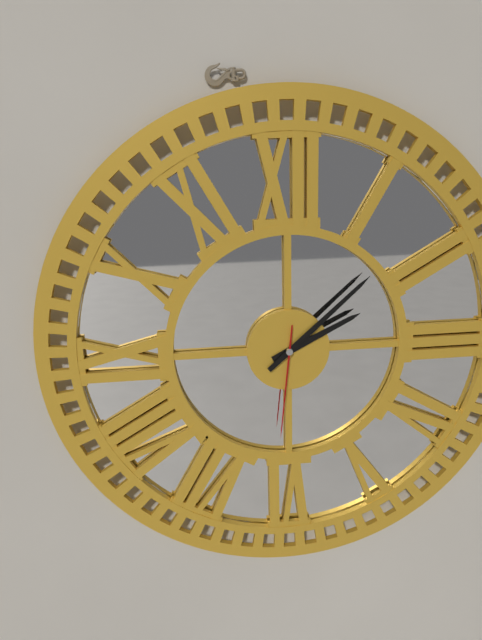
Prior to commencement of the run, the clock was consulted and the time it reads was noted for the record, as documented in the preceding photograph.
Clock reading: 2:08:31
